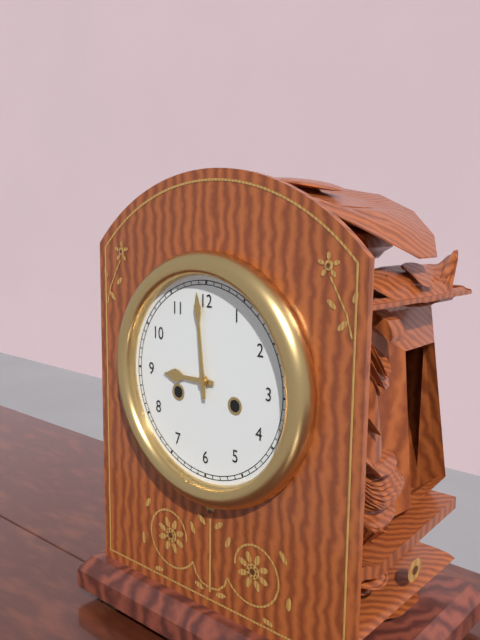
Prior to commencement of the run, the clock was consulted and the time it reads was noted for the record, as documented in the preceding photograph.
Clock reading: 8:59
